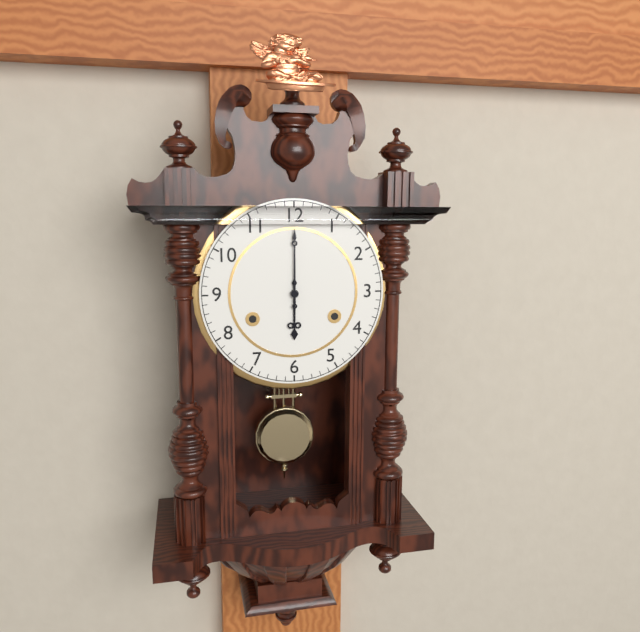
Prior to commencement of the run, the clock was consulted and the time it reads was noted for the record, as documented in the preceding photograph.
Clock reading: 6:00
